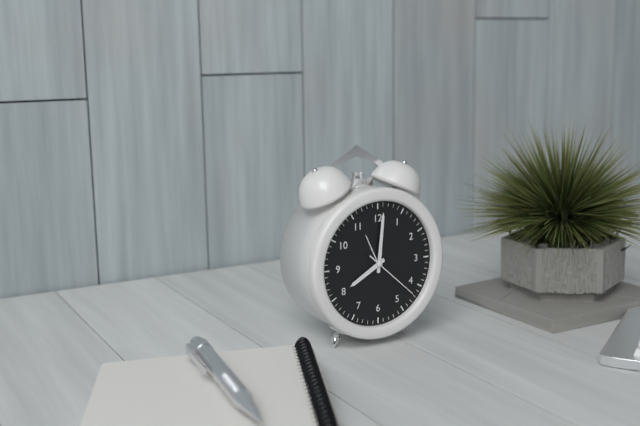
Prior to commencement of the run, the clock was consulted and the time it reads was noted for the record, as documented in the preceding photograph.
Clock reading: 8:01:22
